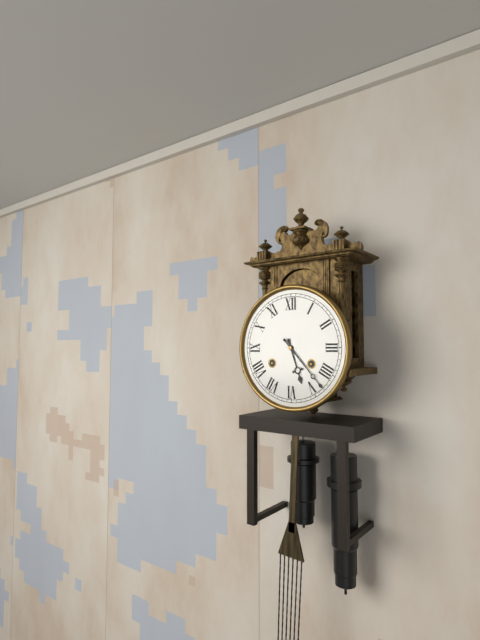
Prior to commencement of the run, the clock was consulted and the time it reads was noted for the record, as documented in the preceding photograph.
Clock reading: 5:23
